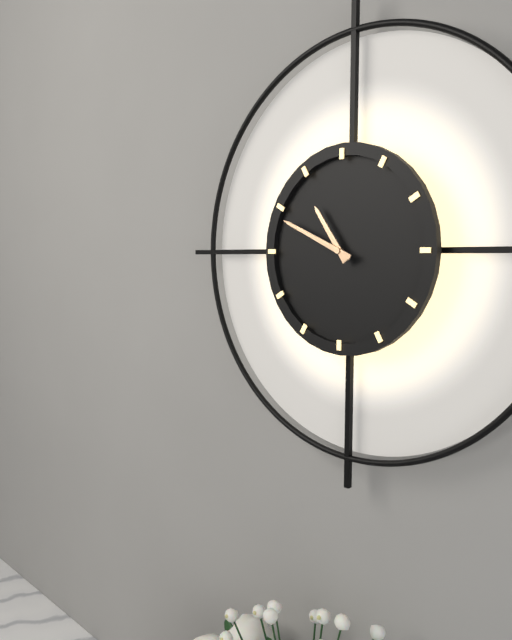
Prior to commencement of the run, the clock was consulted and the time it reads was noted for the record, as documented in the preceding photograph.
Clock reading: 10:49
